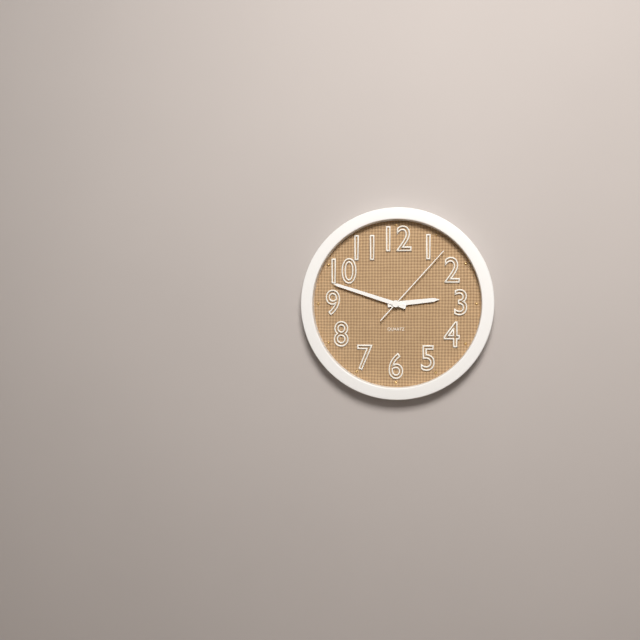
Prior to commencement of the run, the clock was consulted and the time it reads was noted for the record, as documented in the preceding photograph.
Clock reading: 2:48:07
